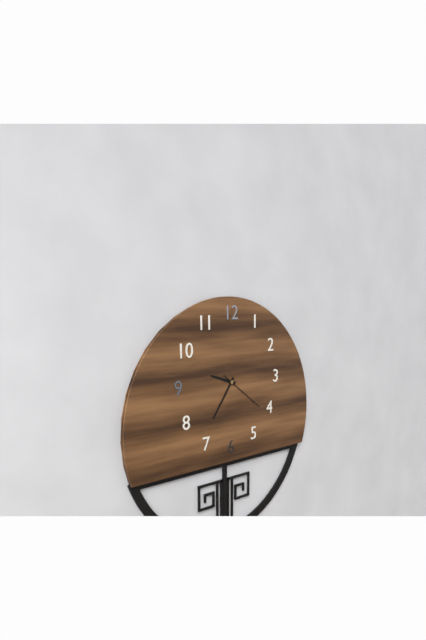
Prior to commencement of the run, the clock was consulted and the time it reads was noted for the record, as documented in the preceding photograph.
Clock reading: 9:36
